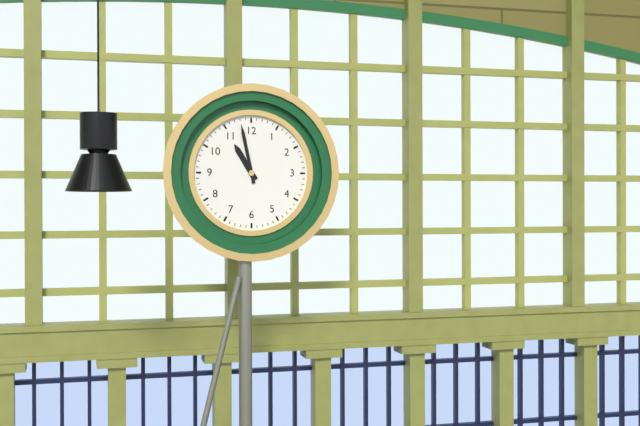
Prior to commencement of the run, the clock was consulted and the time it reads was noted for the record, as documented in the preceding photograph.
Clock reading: 10:58
